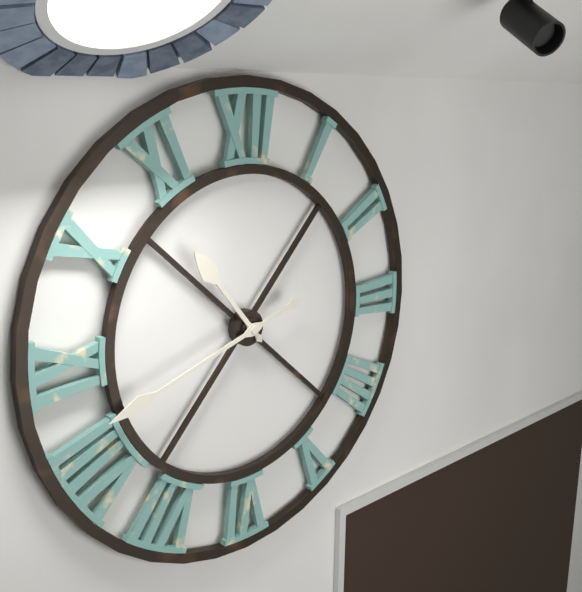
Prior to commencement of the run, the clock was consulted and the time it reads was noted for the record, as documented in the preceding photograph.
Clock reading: 10:42
